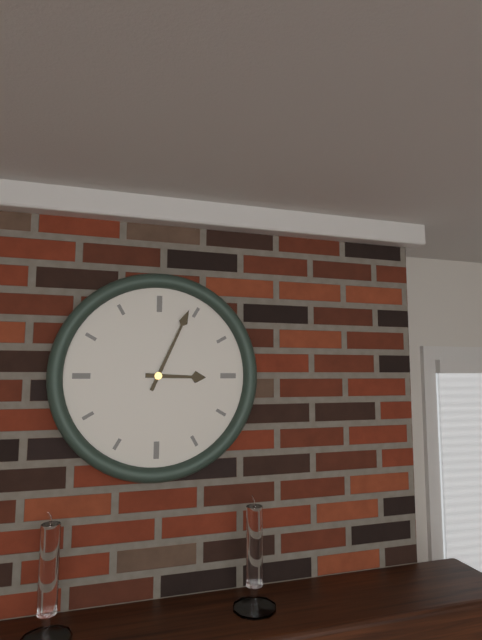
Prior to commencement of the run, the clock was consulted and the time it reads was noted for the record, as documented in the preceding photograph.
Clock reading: 3:04
